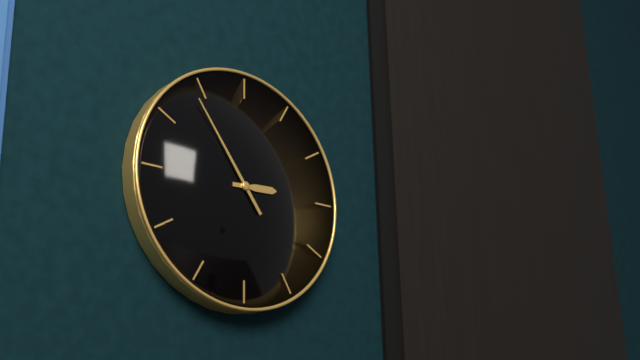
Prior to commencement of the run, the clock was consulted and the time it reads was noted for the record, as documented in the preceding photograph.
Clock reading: 2:54
